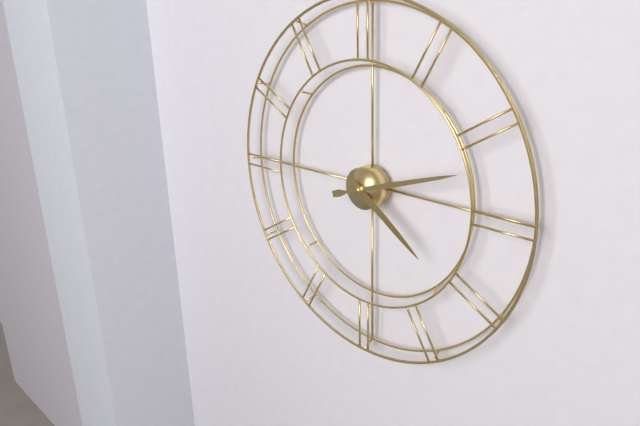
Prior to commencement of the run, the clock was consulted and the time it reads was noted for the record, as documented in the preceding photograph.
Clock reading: 4:12
